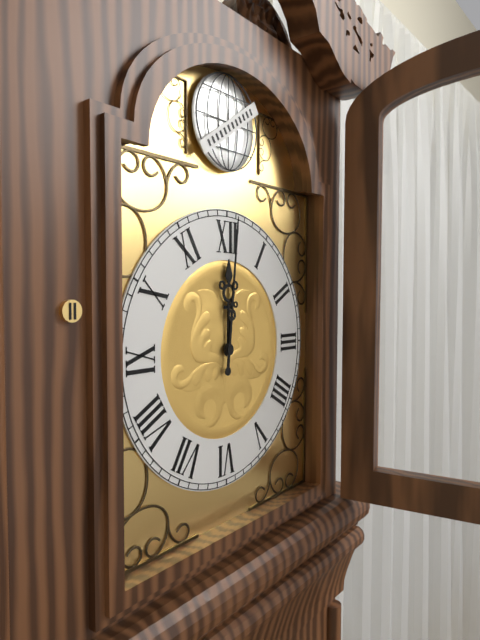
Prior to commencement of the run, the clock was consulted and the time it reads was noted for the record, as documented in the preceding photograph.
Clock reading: 12:01
